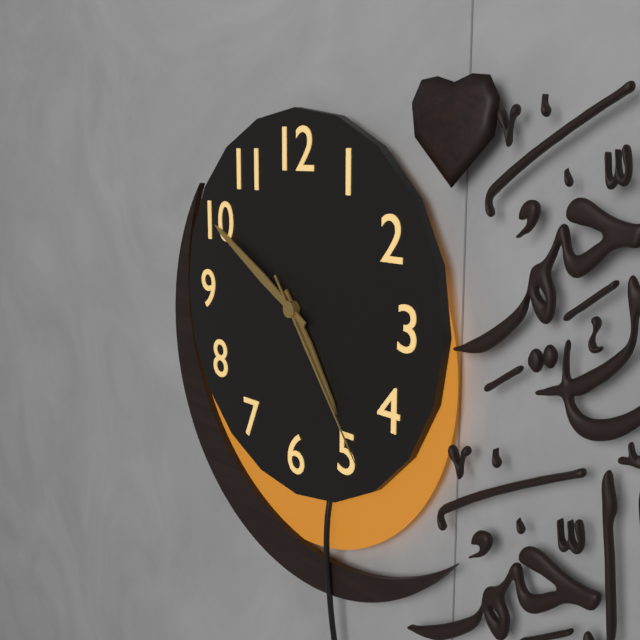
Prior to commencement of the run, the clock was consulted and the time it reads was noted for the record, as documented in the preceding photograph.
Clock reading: 4:50:24
